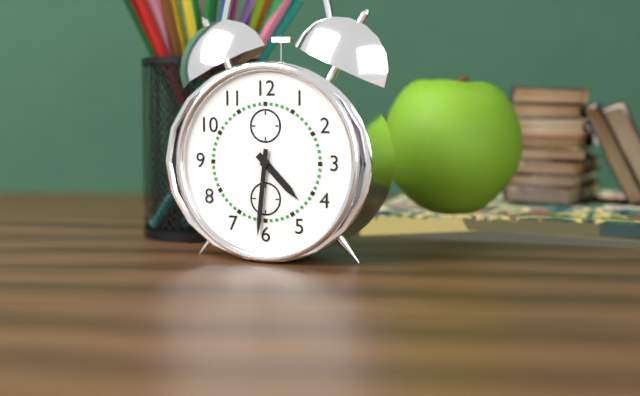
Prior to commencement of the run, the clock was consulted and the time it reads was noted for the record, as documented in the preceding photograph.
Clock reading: 4:31
